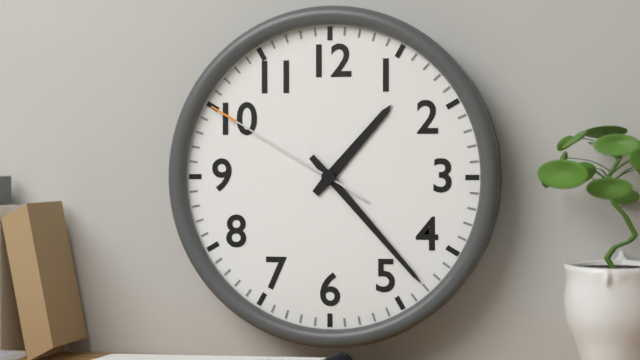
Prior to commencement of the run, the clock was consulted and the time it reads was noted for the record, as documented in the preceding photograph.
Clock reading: 1:23:50
